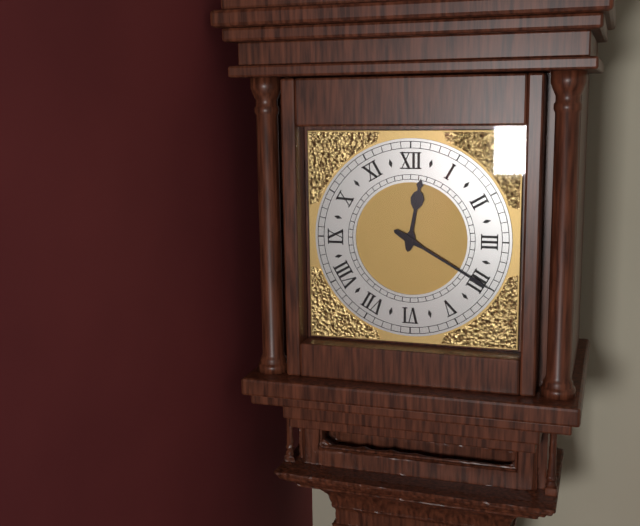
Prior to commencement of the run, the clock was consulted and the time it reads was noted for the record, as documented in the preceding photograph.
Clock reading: 12:20
